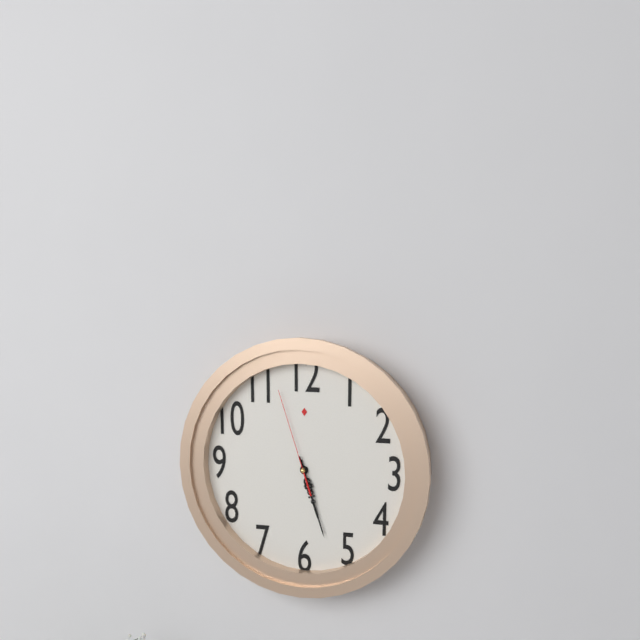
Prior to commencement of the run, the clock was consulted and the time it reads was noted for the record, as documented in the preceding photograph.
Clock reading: 5:27:57
